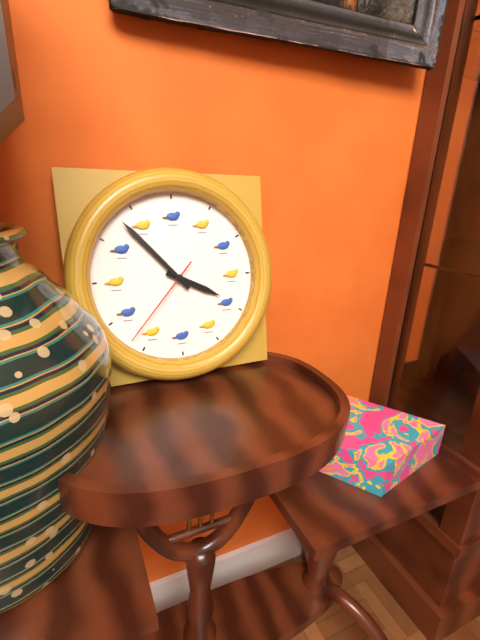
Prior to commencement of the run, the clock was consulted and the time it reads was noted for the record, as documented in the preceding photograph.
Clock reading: 3:53:37
